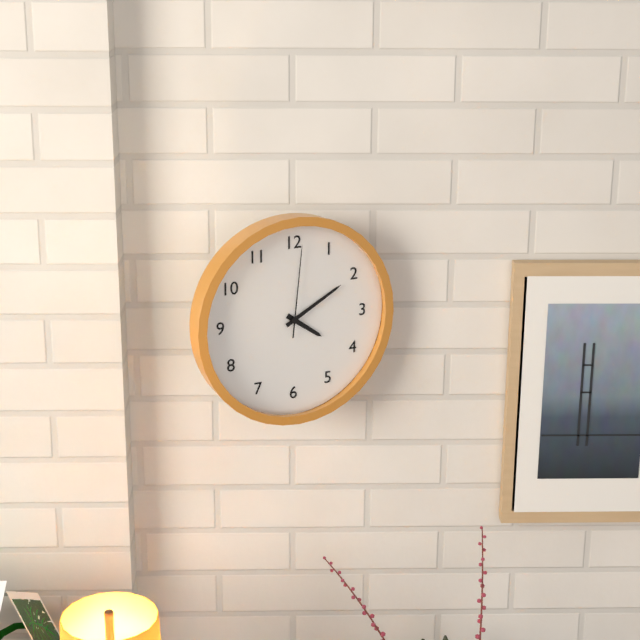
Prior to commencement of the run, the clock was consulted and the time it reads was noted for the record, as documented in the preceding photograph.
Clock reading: 4:10:01
